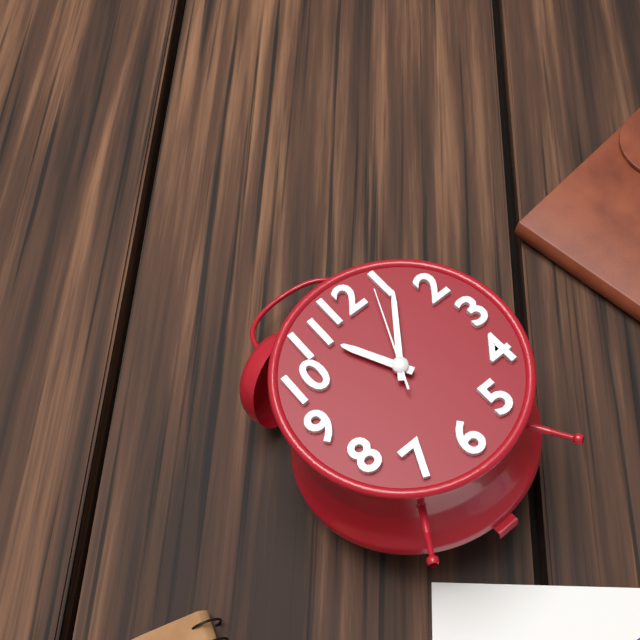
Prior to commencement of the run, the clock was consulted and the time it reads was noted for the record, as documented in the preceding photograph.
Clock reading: 11:06:04
